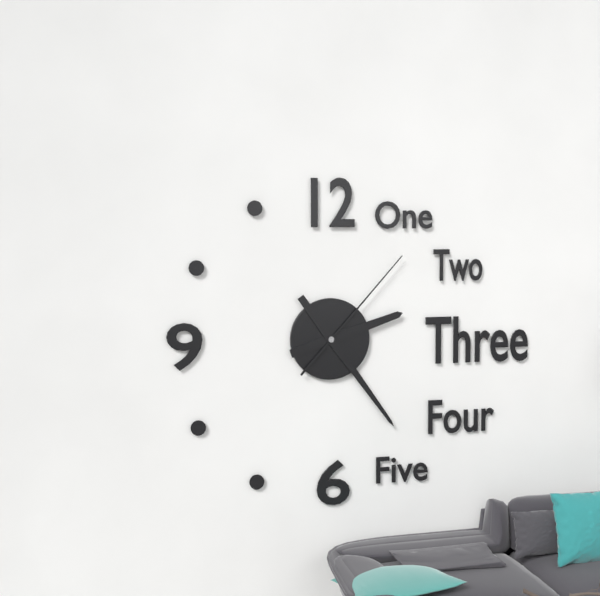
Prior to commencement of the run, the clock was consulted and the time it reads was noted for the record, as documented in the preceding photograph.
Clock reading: 2:24:07
